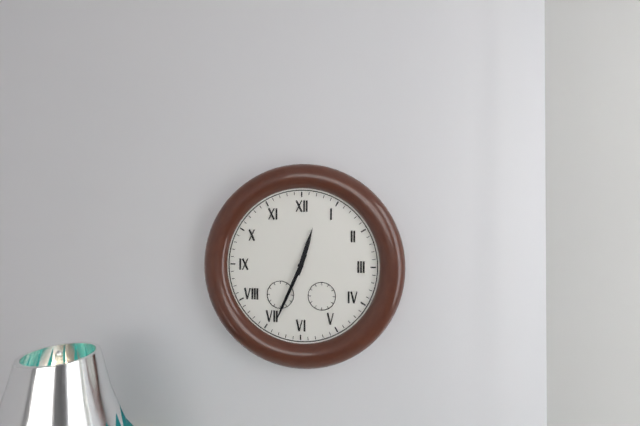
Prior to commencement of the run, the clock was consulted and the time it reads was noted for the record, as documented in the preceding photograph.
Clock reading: 12:34
